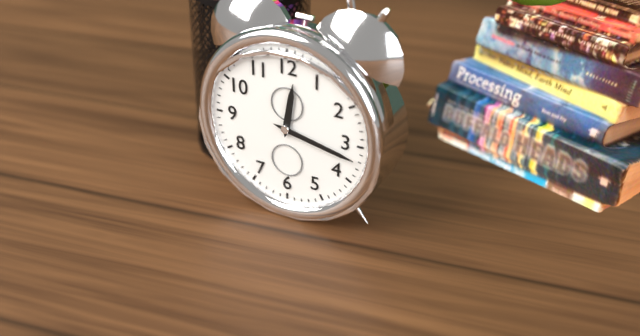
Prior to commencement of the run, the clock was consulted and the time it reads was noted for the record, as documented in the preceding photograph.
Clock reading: 12:17
